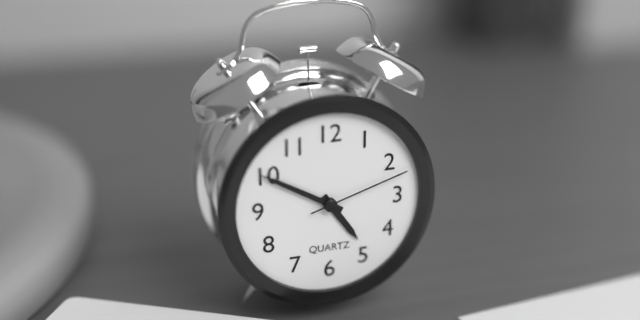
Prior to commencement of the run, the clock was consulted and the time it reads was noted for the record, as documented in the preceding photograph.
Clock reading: 4:50:12
